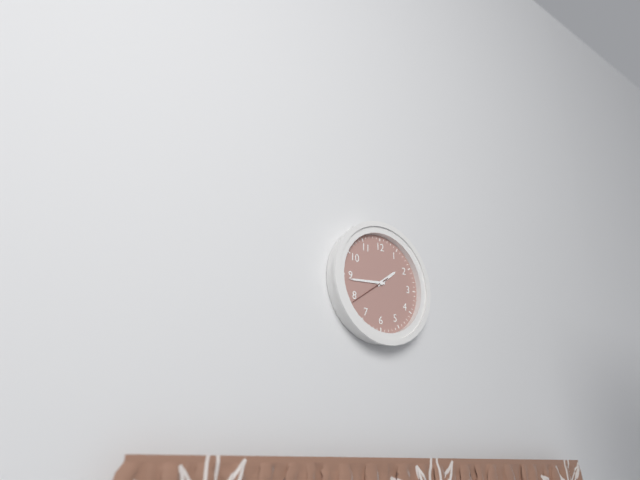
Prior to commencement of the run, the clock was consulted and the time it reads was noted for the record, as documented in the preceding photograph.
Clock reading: 1:44
